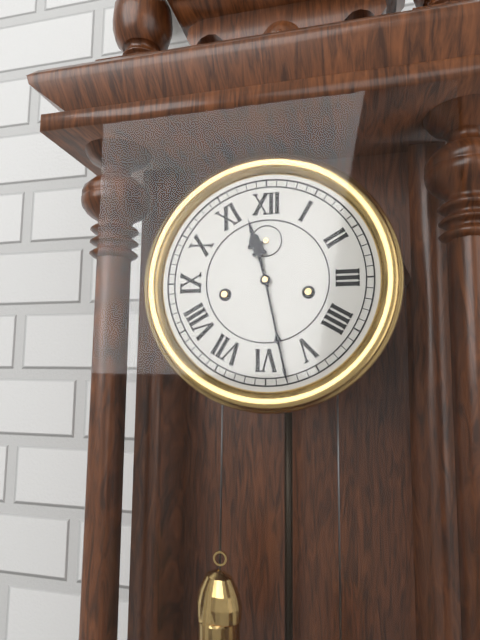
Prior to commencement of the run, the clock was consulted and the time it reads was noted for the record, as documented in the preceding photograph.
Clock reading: 11:28
